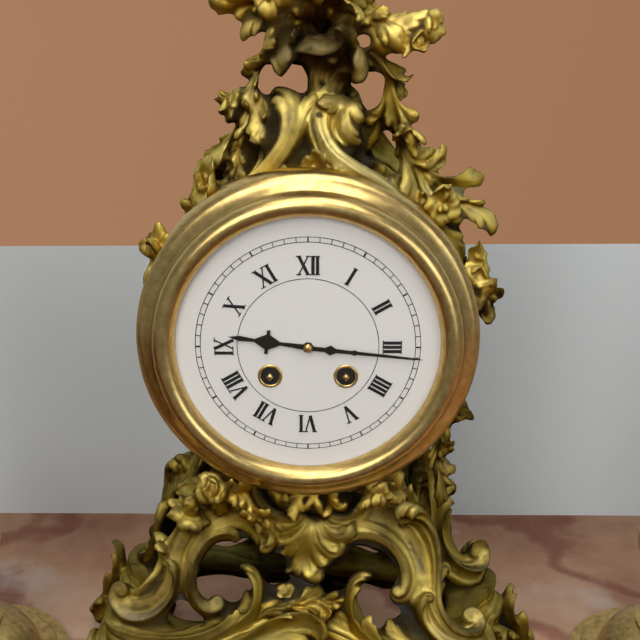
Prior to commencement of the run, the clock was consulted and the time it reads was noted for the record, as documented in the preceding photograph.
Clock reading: 9:16
